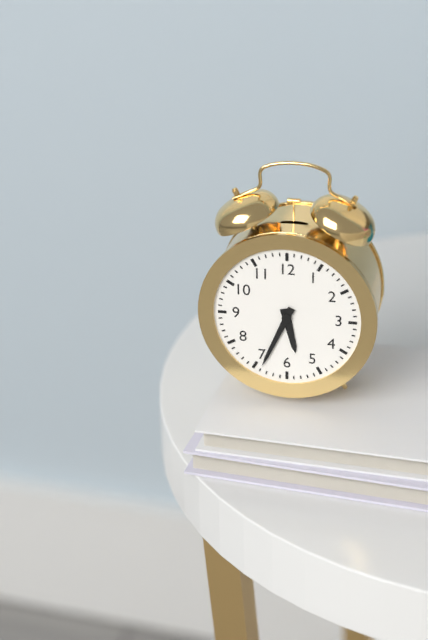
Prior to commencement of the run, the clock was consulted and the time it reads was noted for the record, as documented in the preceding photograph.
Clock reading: 5:34
